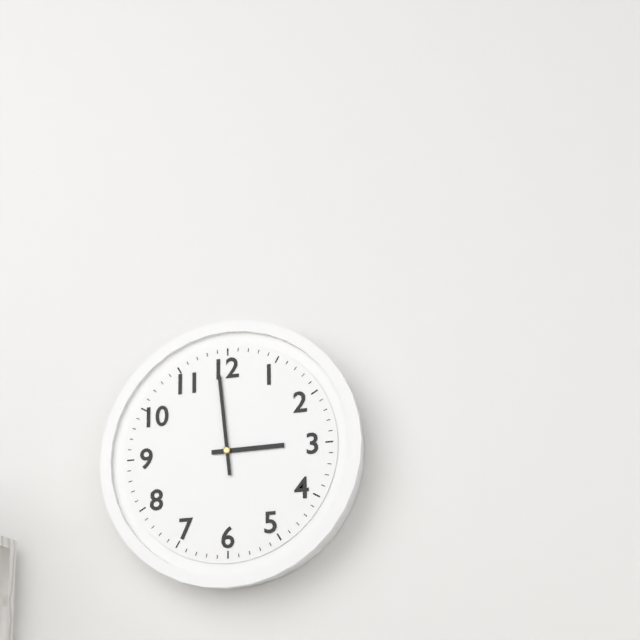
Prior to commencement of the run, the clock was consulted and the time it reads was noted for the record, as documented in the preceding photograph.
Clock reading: 2:59
